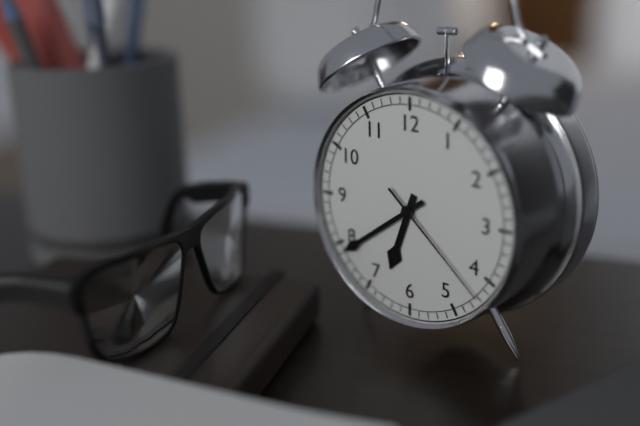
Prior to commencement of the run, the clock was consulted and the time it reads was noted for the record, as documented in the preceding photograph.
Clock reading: 6:39:22
